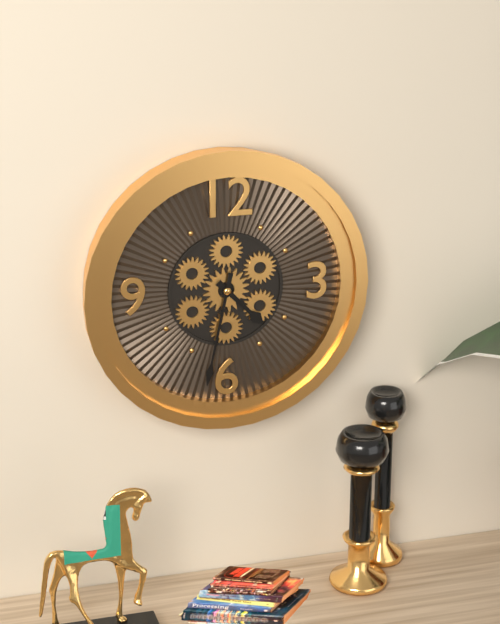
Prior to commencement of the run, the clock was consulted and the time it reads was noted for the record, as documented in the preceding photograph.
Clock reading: 4:32
